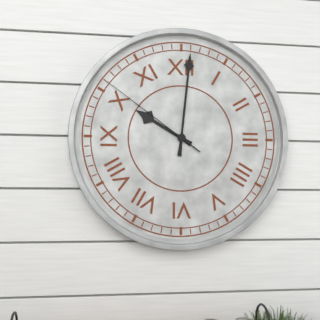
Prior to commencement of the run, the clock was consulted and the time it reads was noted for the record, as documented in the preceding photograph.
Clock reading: 10:01:51
